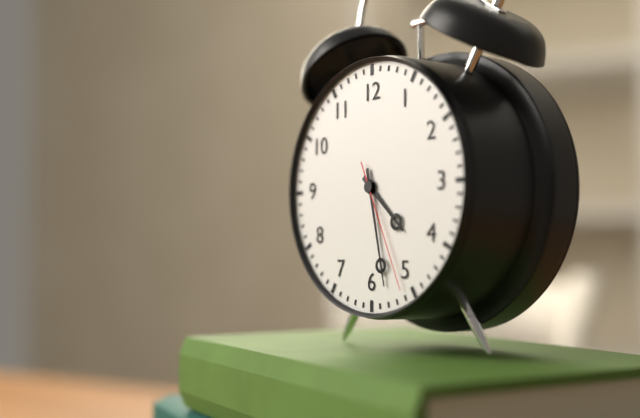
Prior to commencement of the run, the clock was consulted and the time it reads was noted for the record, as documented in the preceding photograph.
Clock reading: 4:28:26
